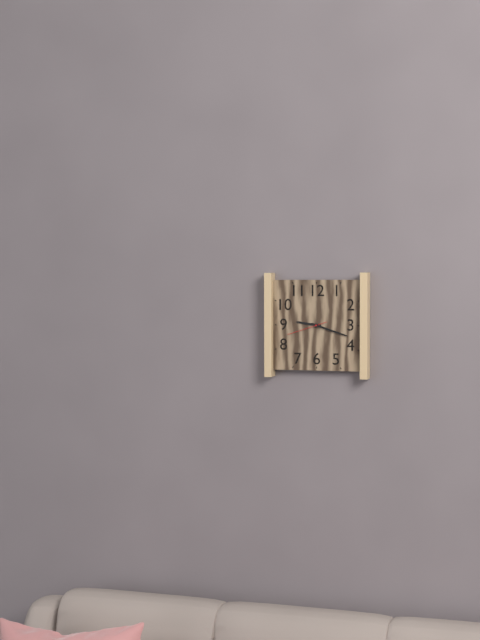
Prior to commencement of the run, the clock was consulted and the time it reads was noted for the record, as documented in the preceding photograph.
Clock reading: 9:18
